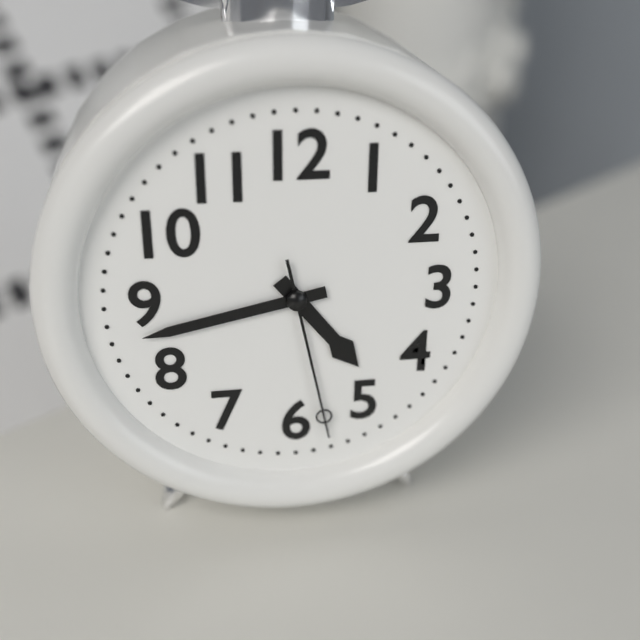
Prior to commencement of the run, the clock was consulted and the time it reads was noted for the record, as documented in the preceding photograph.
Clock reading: 4:43:28
